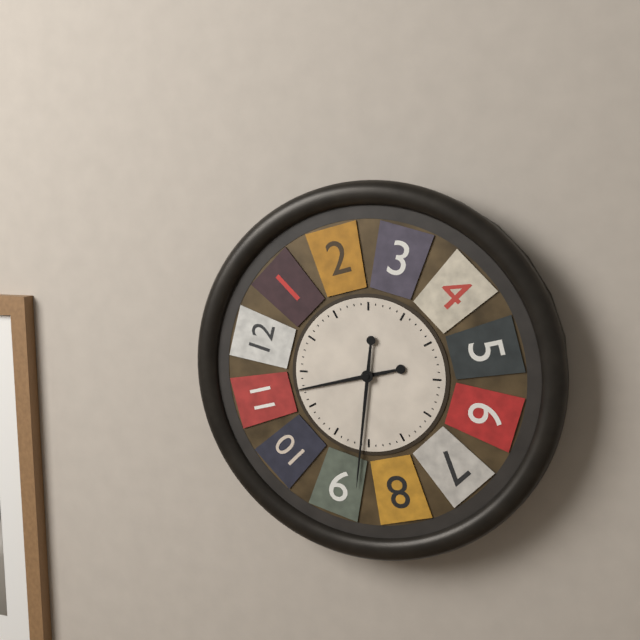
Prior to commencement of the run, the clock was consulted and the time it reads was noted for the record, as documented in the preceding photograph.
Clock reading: 8:31
